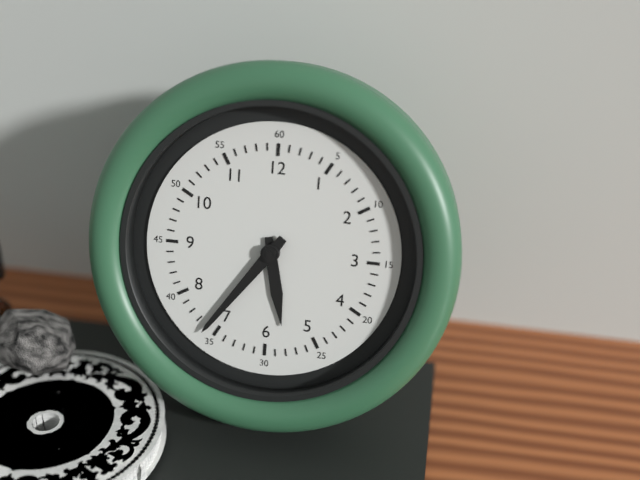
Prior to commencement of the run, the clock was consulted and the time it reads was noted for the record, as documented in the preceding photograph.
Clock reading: 5:36
